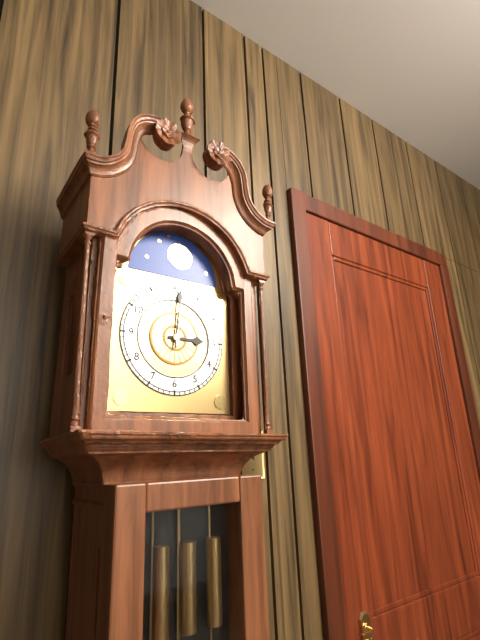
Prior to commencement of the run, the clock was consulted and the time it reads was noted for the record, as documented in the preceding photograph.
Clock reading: 3:01
